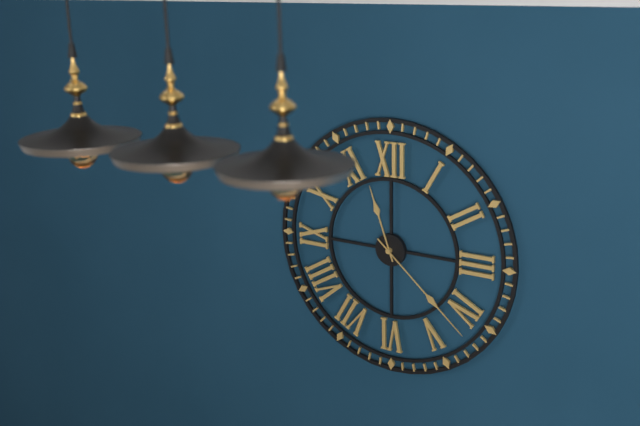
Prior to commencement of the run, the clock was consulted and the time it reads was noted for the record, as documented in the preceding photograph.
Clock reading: 11:22
